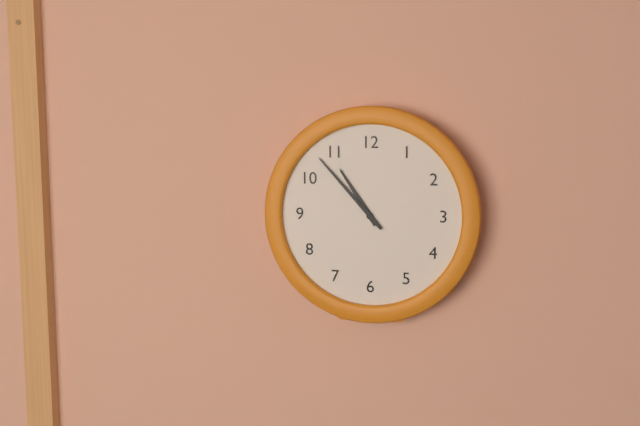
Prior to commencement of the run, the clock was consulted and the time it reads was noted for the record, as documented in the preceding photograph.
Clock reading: 10:53
